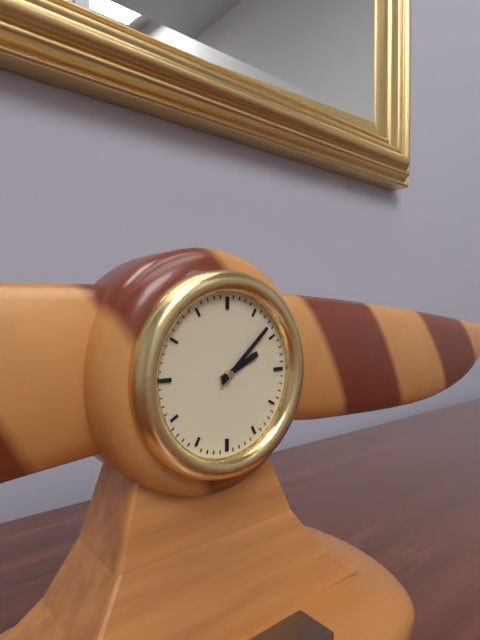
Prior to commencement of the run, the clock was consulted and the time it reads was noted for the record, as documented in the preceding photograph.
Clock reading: 2:08
